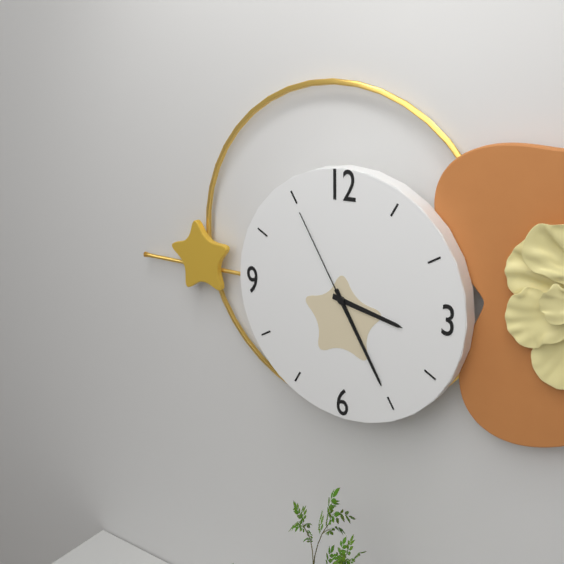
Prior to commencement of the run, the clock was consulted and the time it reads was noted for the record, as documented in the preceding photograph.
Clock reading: 3:25:55
